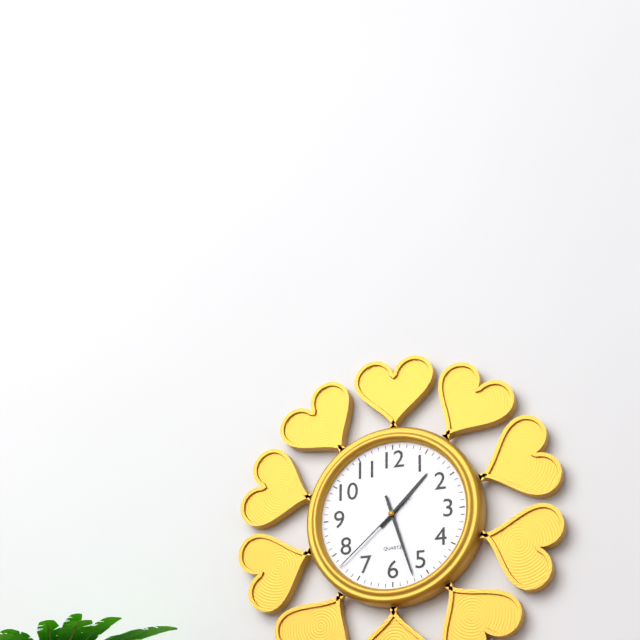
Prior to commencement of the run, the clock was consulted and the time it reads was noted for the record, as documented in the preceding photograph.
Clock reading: 1:27:38
